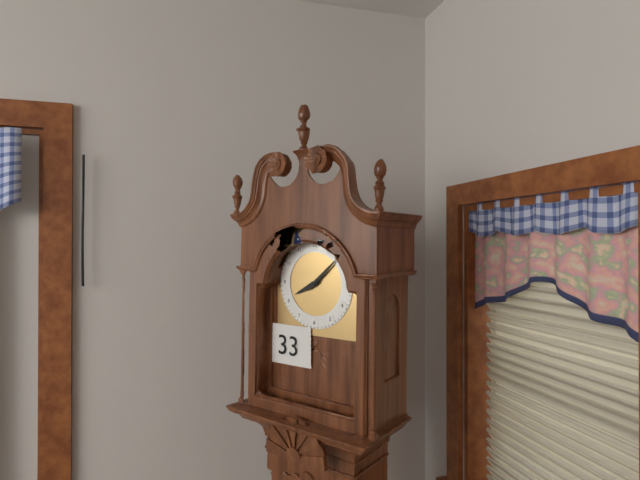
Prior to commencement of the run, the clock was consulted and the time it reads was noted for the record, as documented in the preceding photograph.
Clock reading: 8:08
